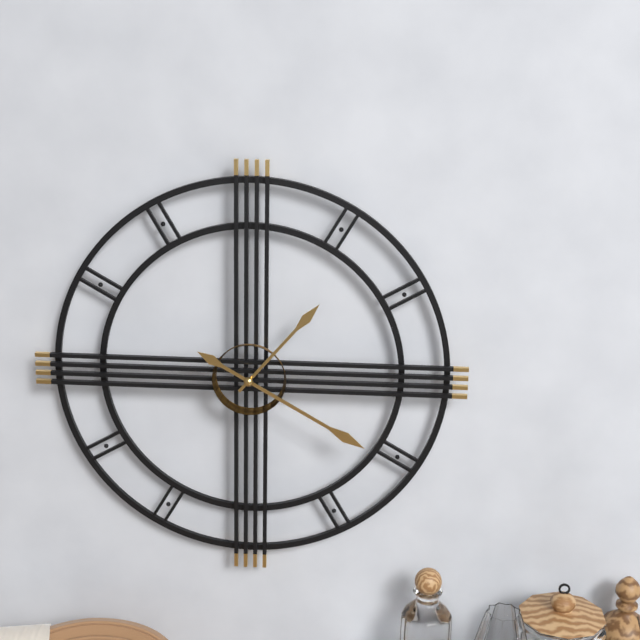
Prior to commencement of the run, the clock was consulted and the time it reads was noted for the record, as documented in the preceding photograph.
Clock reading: 1:20
